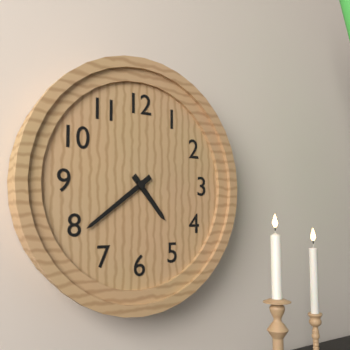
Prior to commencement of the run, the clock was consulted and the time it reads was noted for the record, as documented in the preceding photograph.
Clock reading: 4:39
